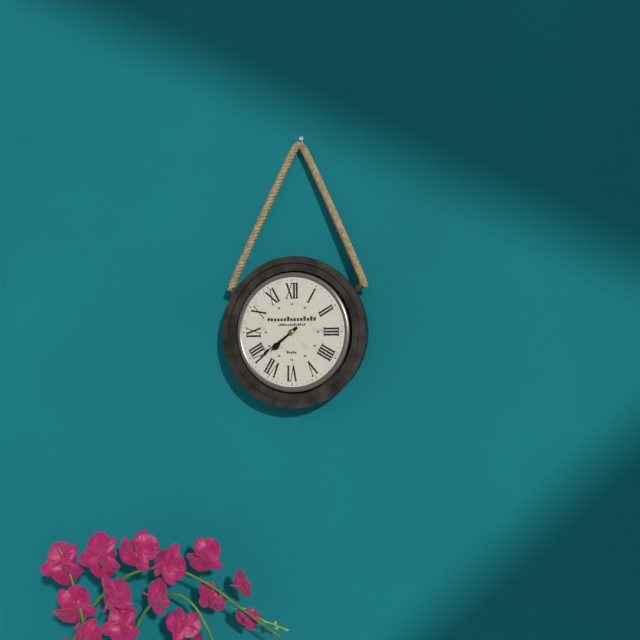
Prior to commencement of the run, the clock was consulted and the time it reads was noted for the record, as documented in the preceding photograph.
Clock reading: 7:39
